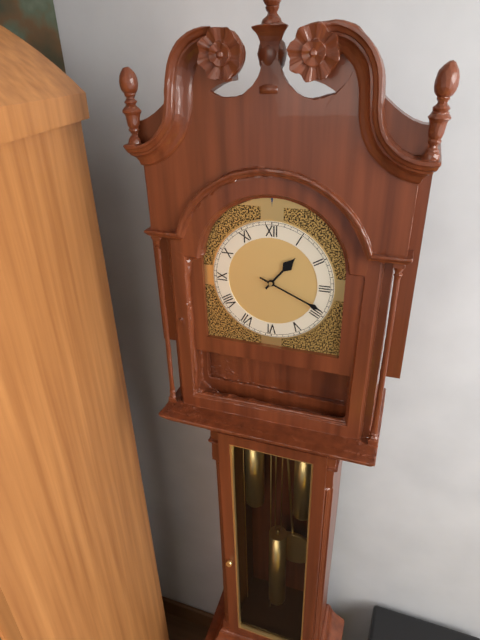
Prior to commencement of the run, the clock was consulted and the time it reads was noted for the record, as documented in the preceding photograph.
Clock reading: 1:19
